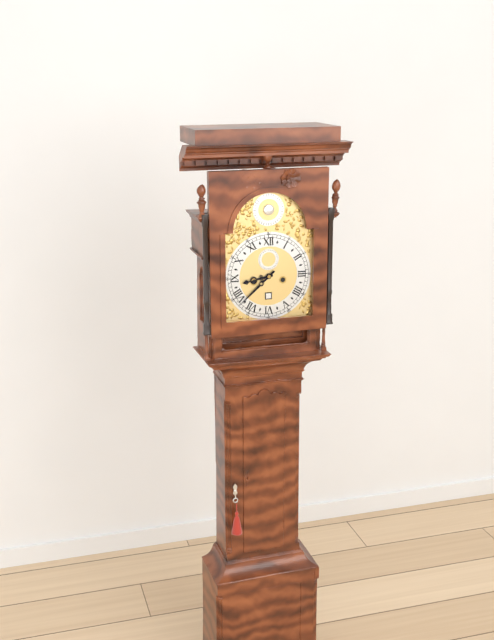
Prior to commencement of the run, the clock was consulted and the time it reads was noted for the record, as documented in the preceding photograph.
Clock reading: 8:38
